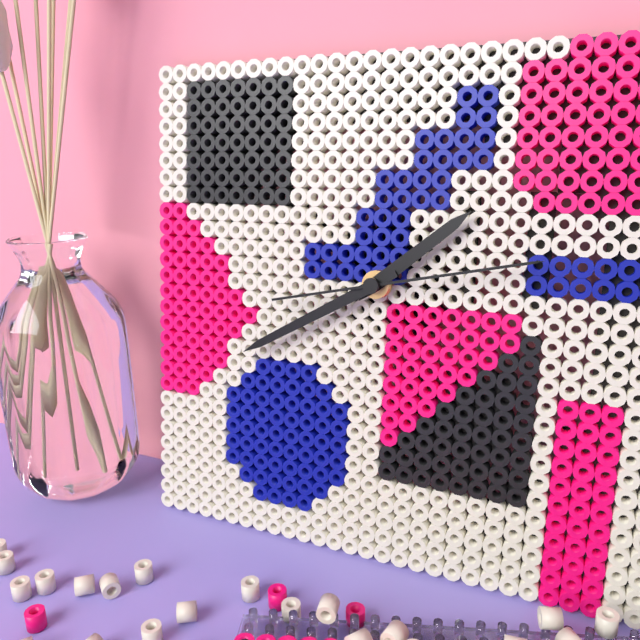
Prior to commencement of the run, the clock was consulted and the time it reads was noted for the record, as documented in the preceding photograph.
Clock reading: 1:40:13
